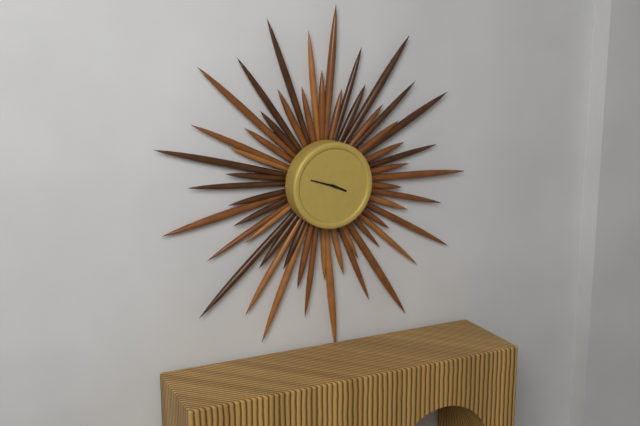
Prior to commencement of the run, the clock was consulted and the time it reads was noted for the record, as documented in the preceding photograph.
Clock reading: 3:48
